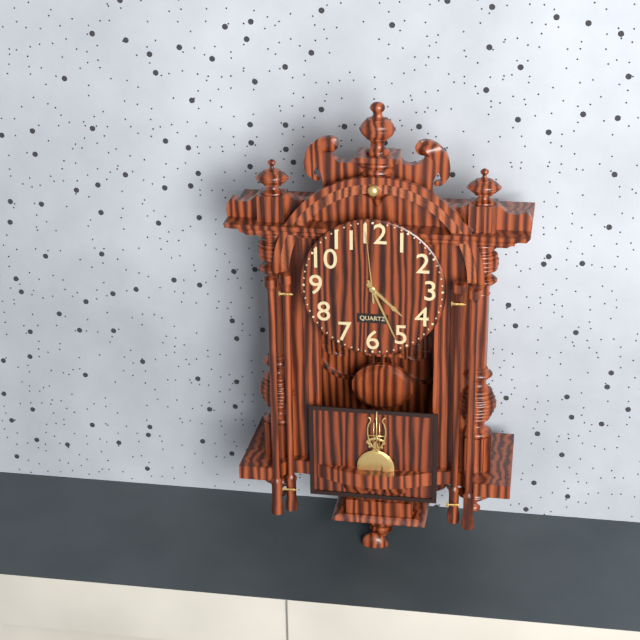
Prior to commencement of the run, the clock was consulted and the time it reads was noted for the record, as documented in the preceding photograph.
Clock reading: 4:26:59
